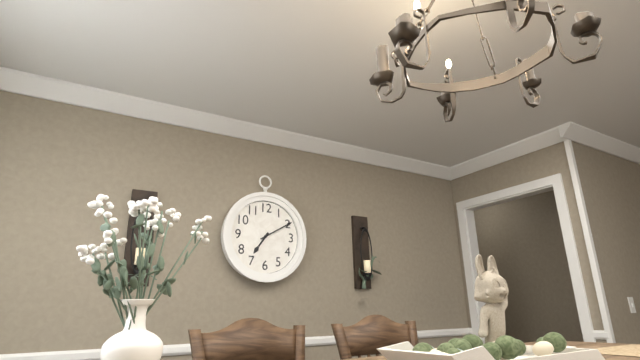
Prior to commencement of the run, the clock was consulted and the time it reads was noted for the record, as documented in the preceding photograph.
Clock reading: 7:10
